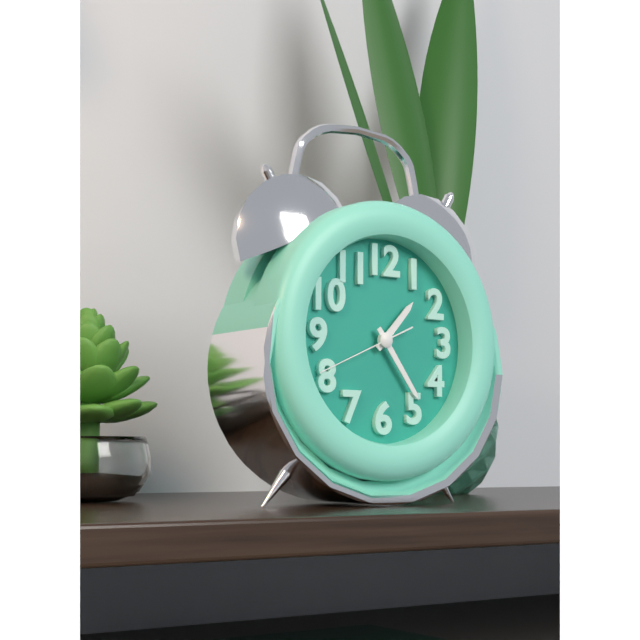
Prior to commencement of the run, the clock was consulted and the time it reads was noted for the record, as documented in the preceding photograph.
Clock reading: 1:24:41
